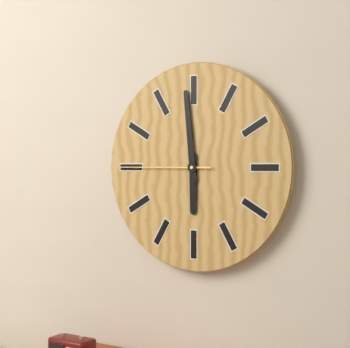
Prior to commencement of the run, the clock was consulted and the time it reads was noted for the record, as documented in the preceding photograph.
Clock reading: 5:59:45
